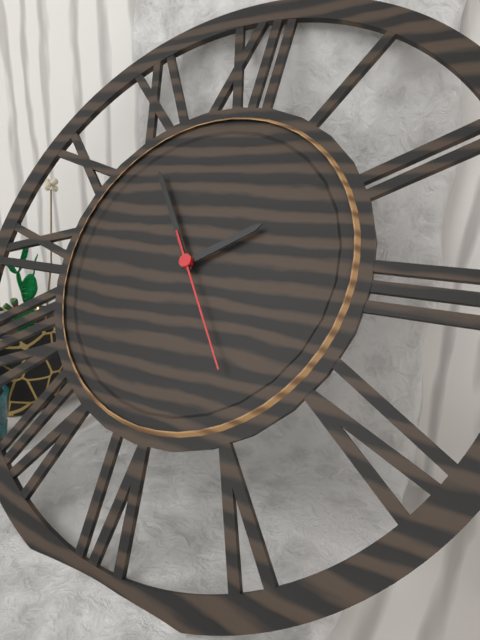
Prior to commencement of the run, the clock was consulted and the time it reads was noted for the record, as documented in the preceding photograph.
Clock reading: 1:54:24
